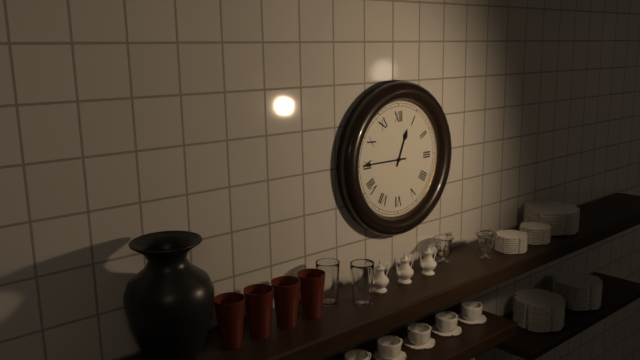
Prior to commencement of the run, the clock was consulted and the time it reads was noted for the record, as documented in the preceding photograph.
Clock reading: 12:45
